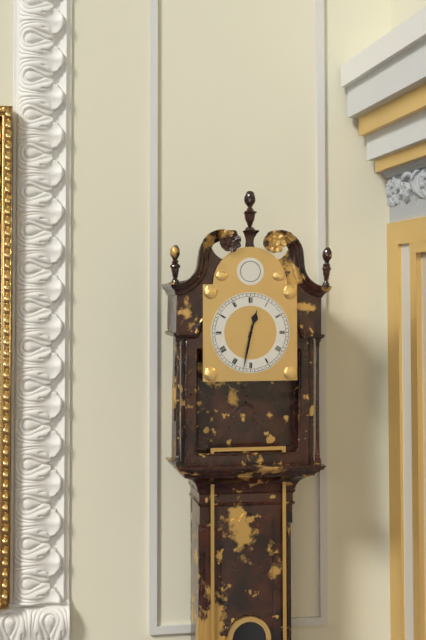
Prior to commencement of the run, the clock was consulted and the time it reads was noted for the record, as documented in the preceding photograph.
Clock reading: 12:32
